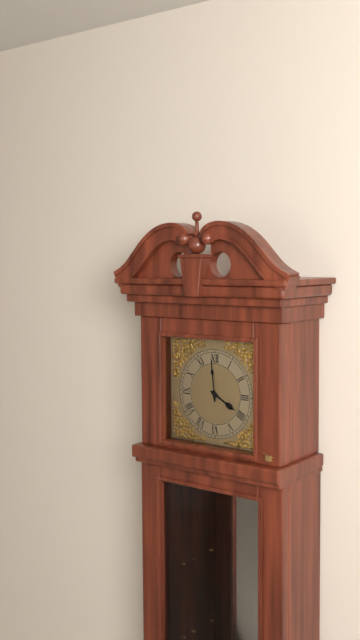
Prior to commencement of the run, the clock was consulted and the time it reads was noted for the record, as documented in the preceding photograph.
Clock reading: 3:59
